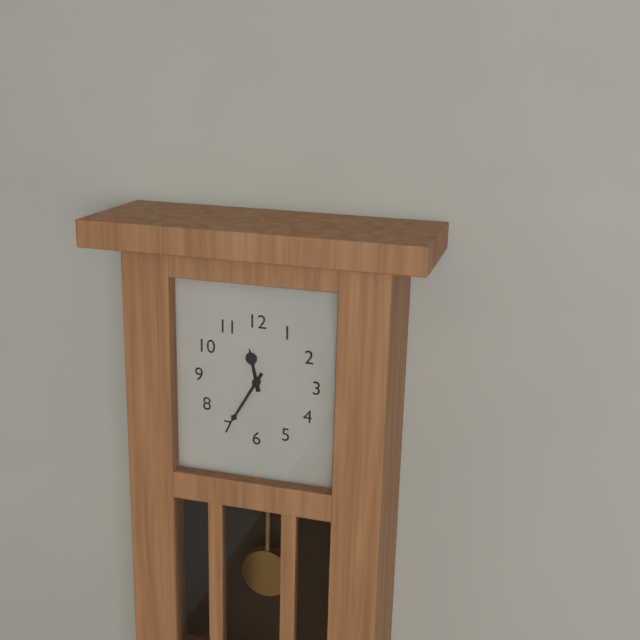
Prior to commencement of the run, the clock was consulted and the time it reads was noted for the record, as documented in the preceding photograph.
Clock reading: 11:35
